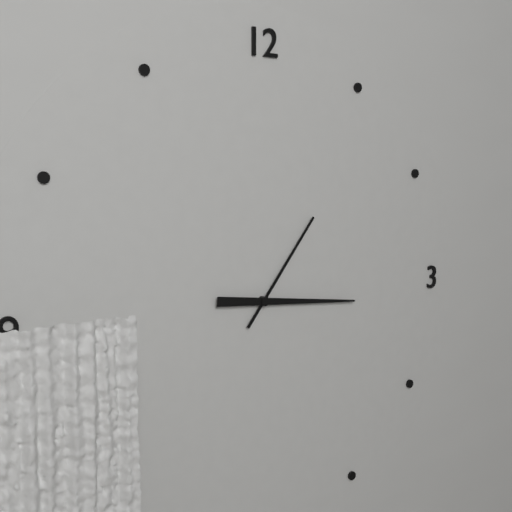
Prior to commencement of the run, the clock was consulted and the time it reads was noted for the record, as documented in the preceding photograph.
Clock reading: 1:16
